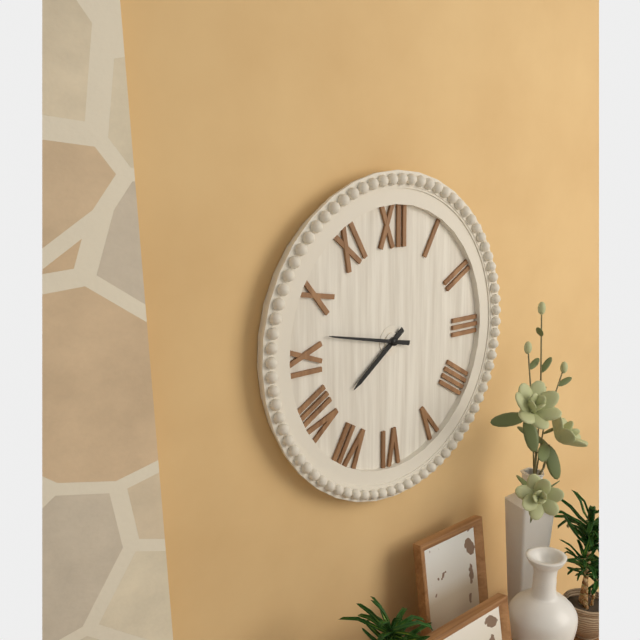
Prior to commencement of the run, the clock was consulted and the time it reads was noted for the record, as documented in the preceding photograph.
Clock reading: 7:47
